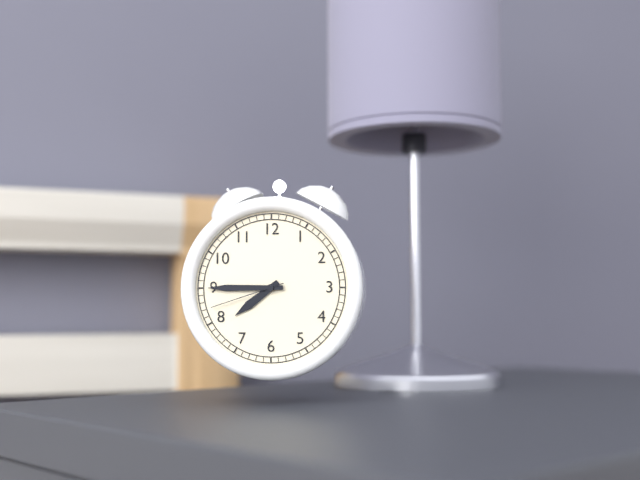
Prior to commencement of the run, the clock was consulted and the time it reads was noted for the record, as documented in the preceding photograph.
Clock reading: 7:45:42
